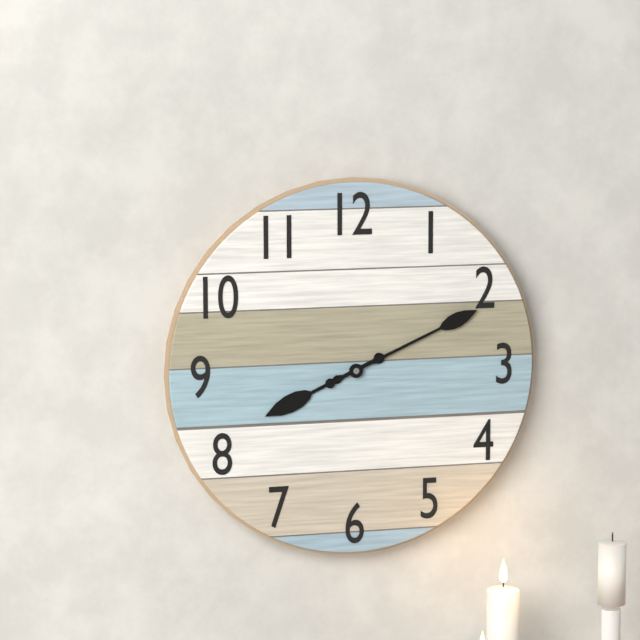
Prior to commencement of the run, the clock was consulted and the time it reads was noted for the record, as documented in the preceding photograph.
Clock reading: 8:11
